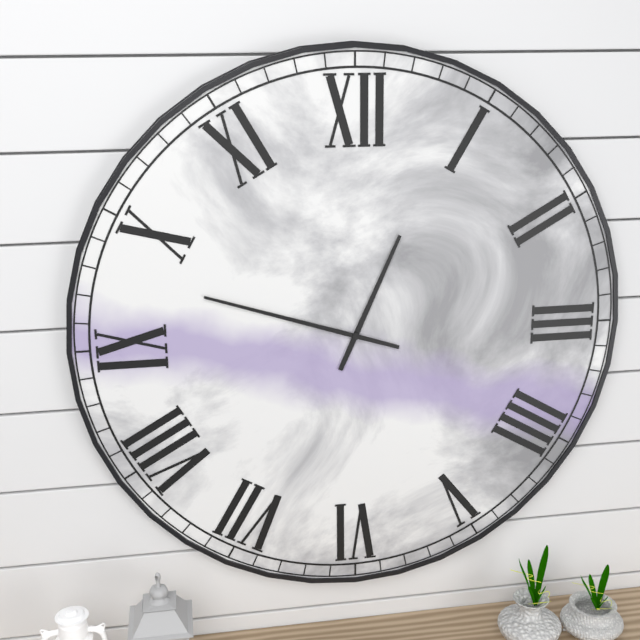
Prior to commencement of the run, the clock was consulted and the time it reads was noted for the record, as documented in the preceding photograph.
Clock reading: 12:48
